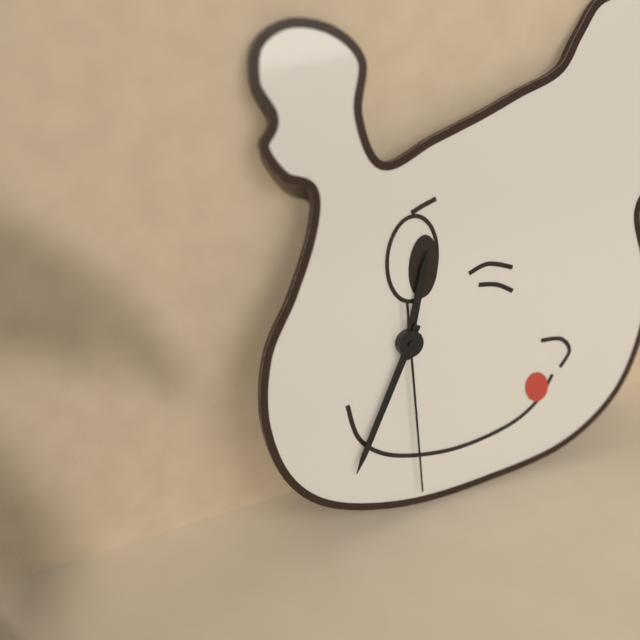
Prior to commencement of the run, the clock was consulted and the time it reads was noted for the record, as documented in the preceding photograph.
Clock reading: 12:35:30
